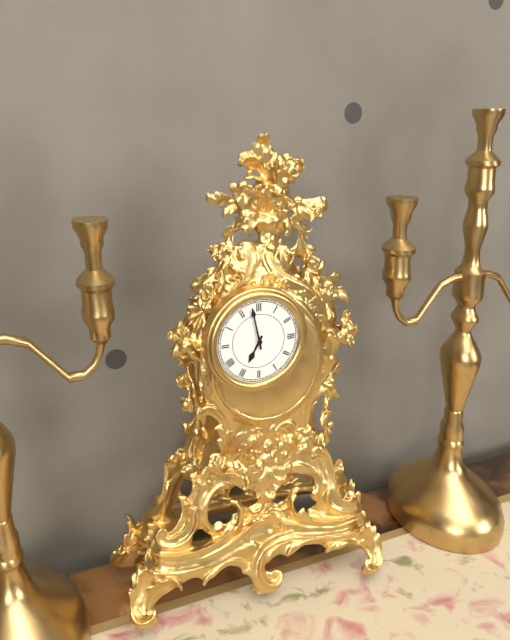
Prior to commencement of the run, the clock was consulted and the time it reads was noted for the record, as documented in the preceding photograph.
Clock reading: 6:58
